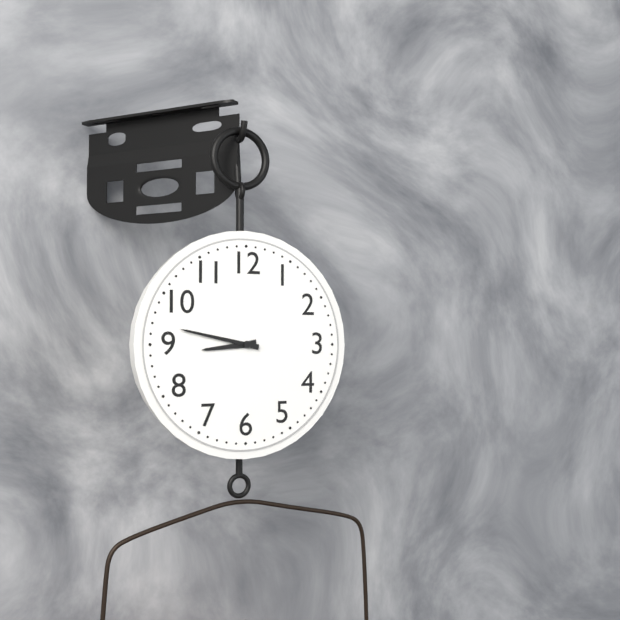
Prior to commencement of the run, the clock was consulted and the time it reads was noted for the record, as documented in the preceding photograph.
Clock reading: 8:47
